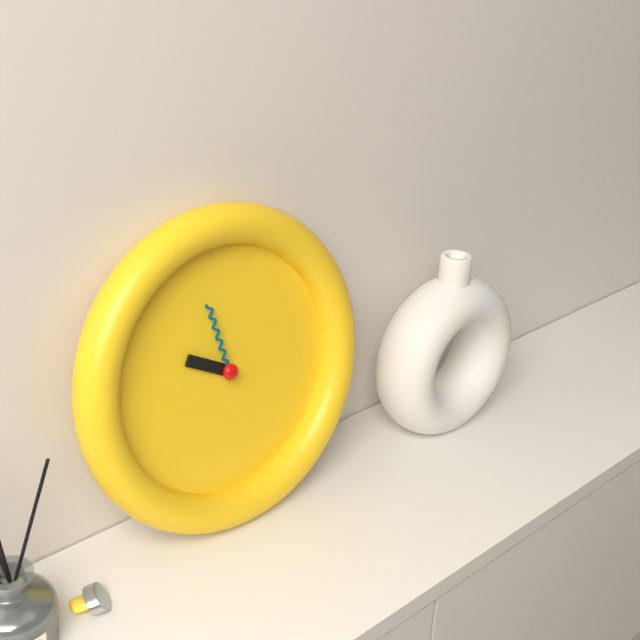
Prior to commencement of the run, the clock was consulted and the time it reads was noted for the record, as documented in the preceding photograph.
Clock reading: 9:58
